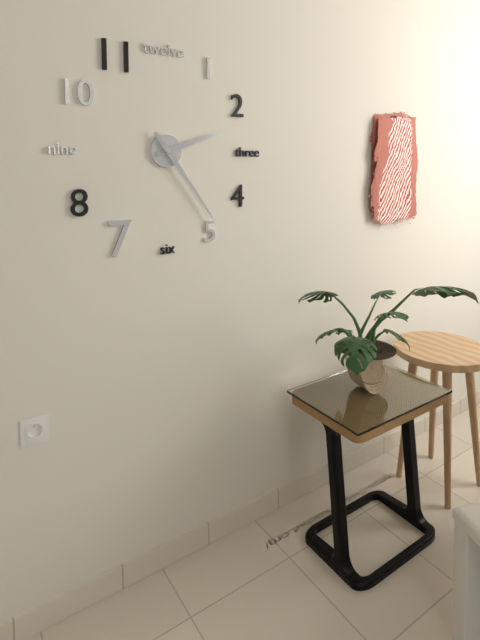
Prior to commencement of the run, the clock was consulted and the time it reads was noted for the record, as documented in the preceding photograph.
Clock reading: 2:24
